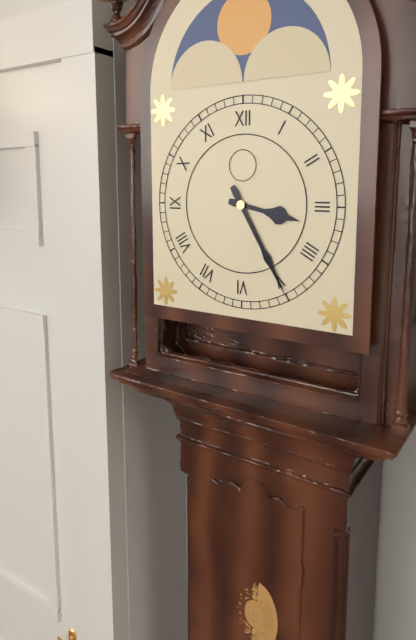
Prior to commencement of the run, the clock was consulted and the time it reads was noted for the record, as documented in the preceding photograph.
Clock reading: 3:25
